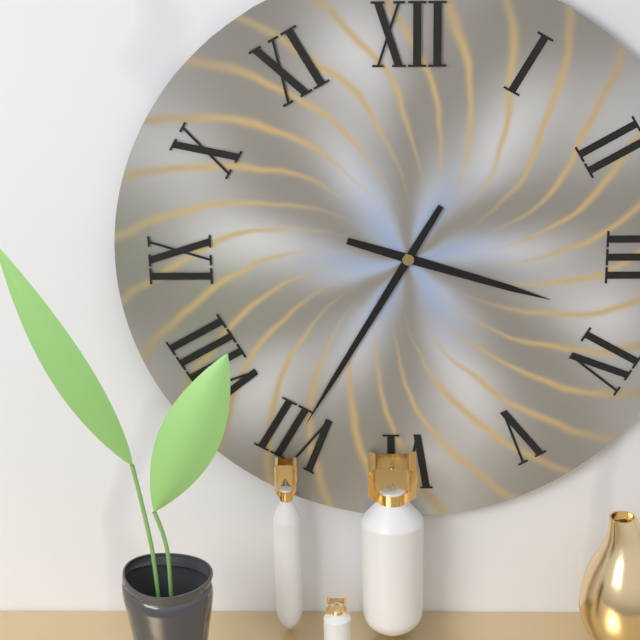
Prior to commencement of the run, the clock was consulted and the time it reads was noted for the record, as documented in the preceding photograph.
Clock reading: 3:35
